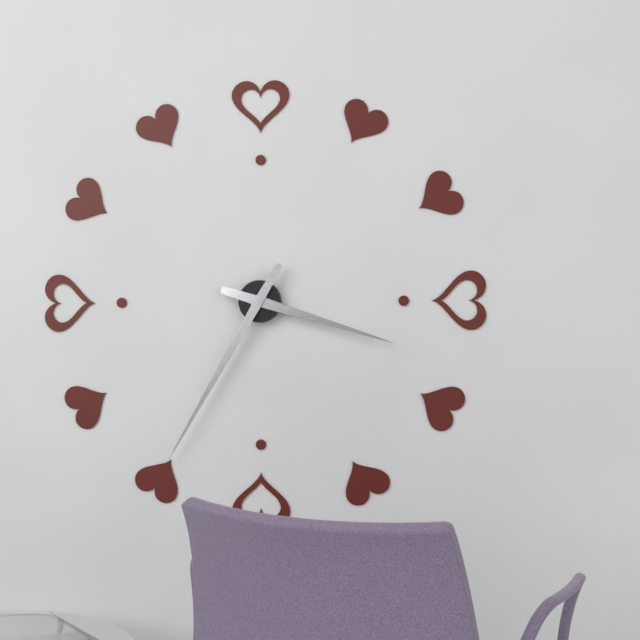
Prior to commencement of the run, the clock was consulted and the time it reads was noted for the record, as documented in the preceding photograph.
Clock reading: 3:35
